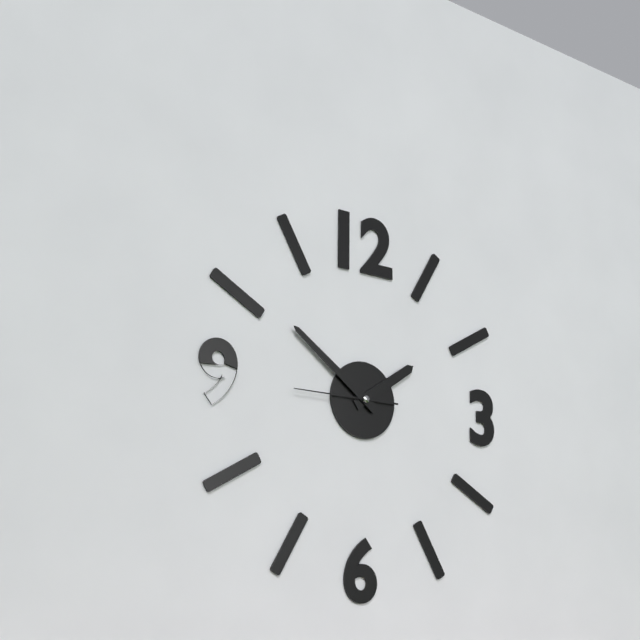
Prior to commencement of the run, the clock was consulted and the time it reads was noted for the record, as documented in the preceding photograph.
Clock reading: 1:51:45
